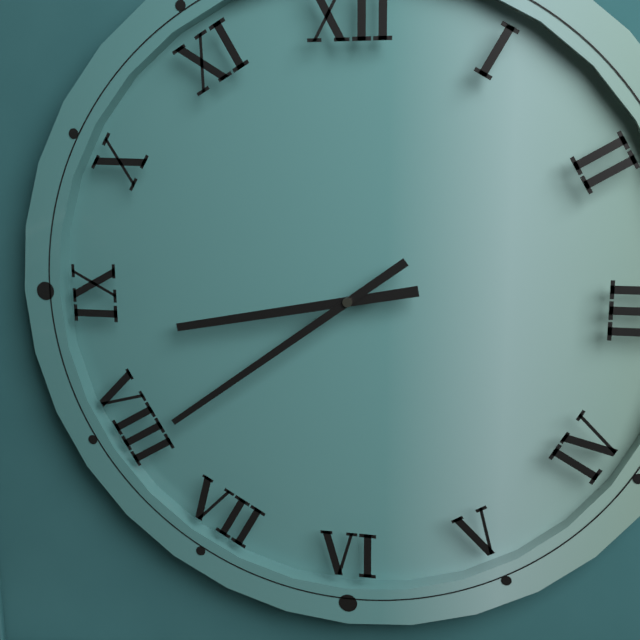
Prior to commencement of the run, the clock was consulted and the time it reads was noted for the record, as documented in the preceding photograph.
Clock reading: 8:39
